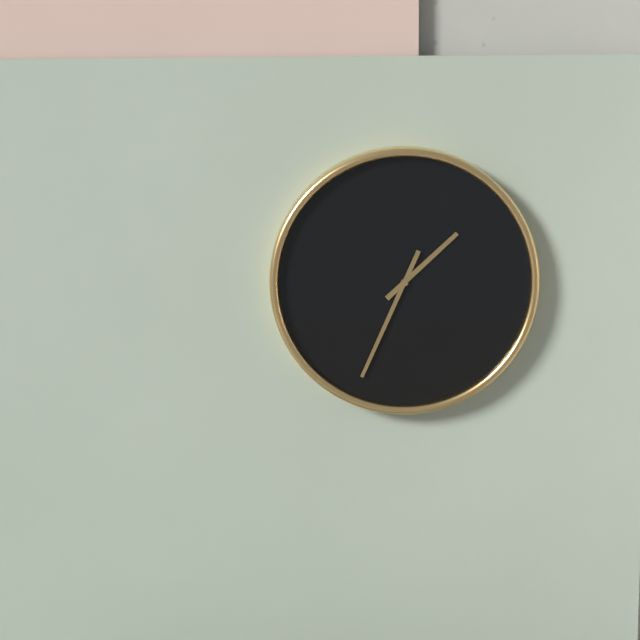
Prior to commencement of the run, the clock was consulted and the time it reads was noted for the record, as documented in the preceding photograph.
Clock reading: 1:34
